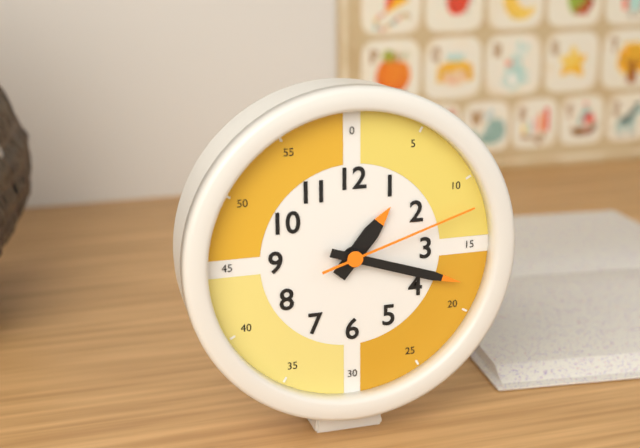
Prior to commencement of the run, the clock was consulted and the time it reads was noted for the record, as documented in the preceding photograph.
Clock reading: 1:18:12
